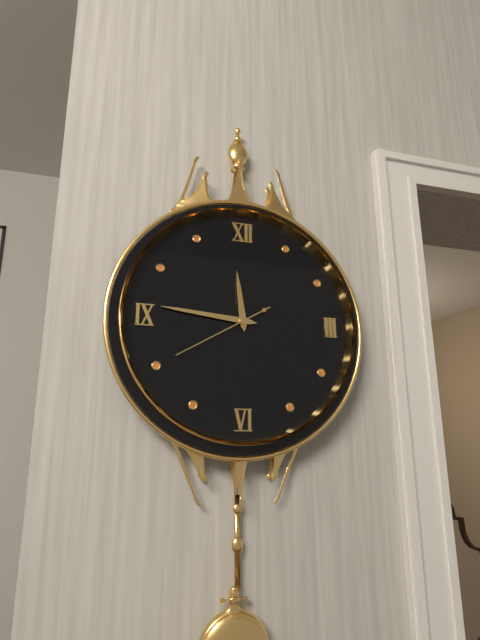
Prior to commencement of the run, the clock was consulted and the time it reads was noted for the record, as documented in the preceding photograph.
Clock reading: 11:46:40
